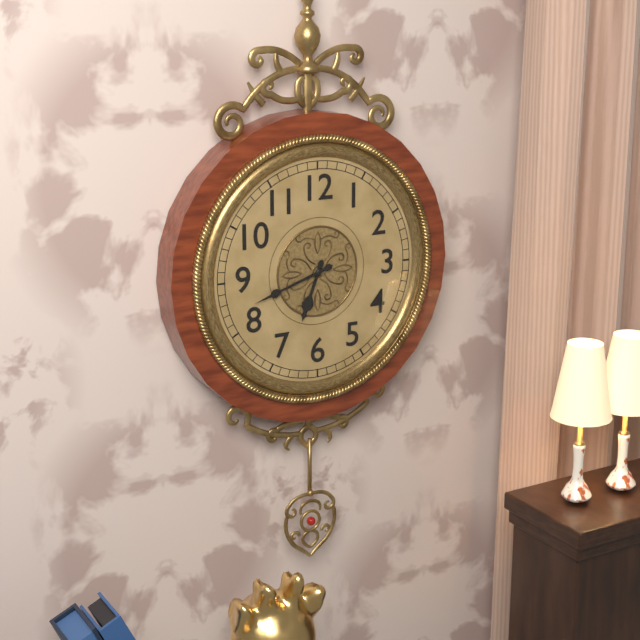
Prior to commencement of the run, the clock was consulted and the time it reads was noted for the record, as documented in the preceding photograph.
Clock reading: 6:42
